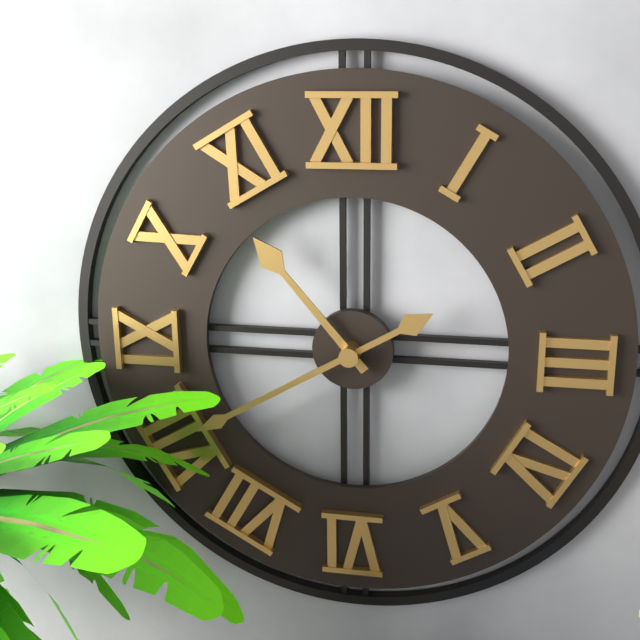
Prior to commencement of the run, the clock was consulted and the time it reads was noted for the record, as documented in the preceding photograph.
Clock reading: 10:40
